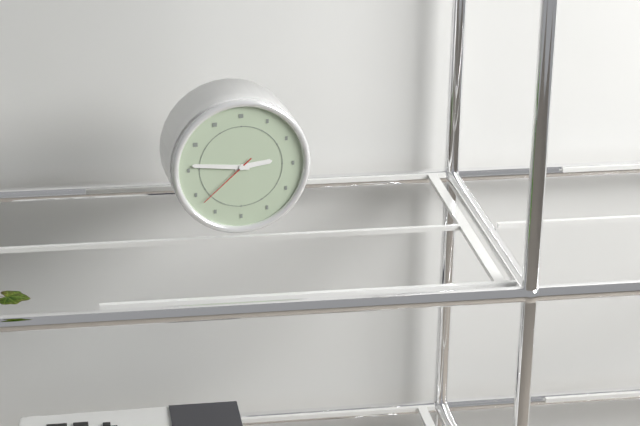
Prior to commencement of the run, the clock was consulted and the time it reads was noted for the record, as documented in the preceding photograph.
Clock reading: 2:46:38
